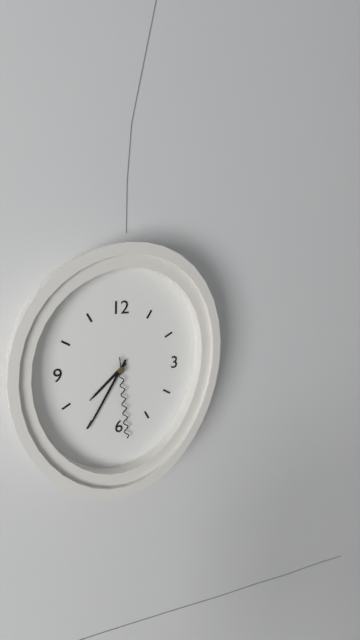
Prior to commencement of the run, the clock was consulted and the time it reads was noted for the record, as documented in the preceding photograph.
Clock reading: 7:35:29
